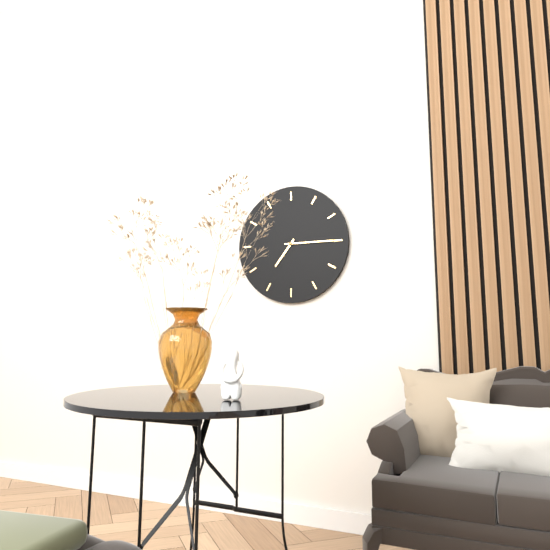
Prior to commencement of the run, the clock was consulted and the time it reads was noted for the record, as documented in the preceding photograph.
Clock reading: 7:15
